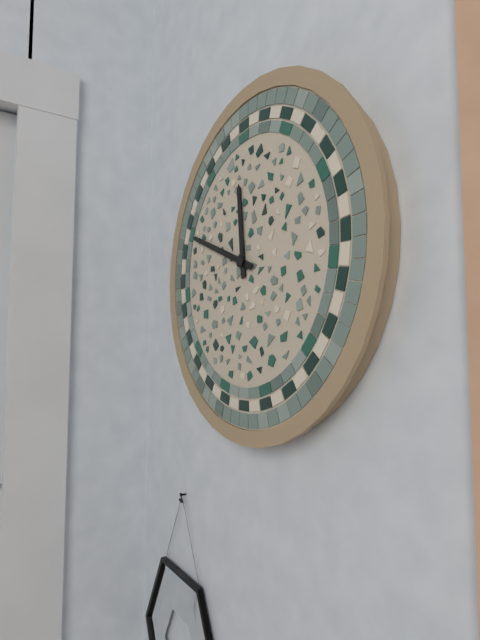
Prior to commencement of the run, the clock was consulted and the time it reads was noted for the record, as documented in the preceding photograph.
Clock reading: 11:49
